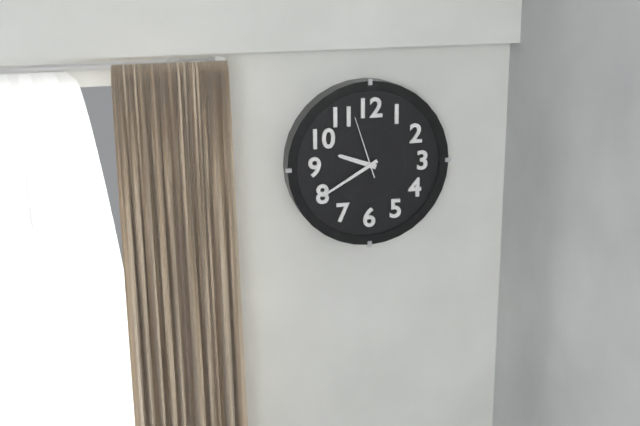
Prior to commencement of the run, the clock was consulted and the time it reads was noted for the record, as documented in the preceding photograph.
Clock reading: 9:40:57
